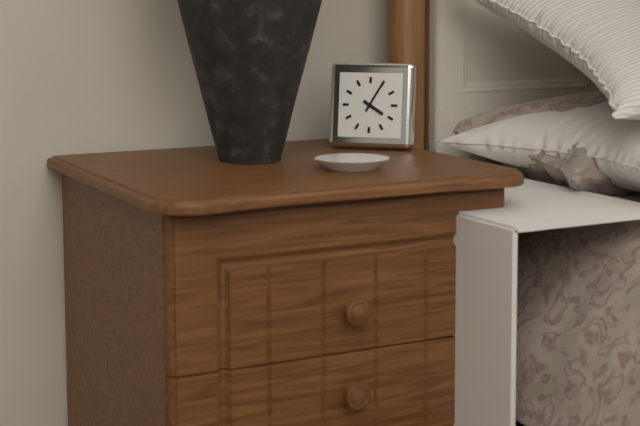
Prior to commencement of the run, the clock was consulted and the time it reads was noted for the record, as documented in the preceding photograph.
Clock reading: 4:05
